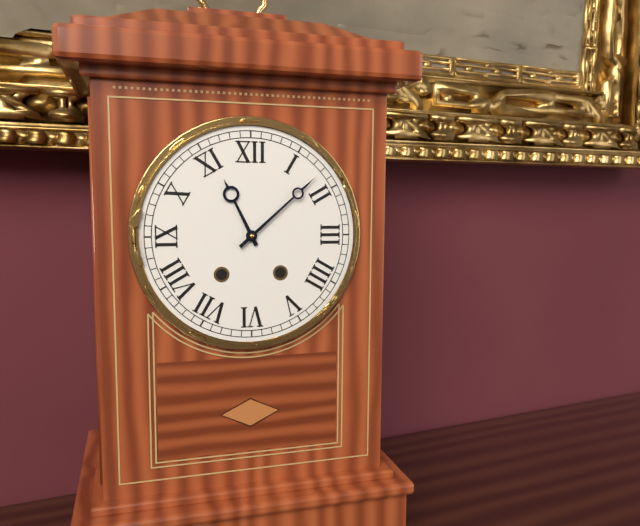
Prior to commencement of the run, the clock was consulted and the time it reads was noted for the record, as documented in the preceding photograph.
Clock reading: 11:08
